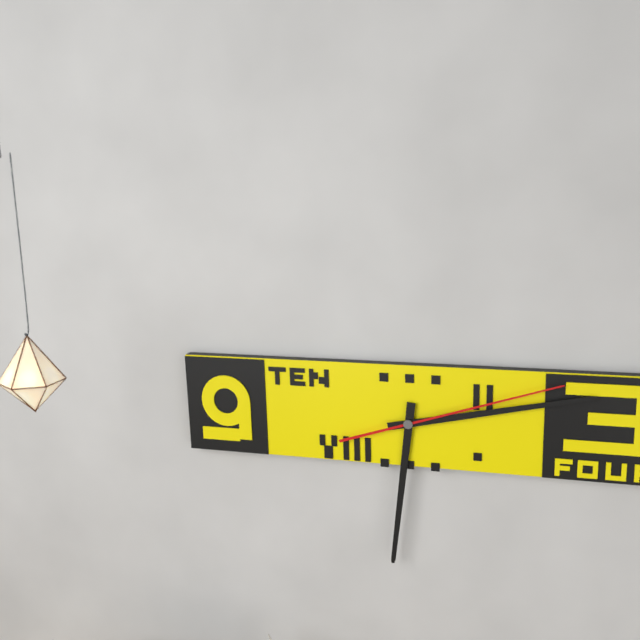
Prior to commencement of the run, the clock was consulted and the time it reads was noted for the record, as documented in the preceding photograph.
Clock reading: 6:13:12
